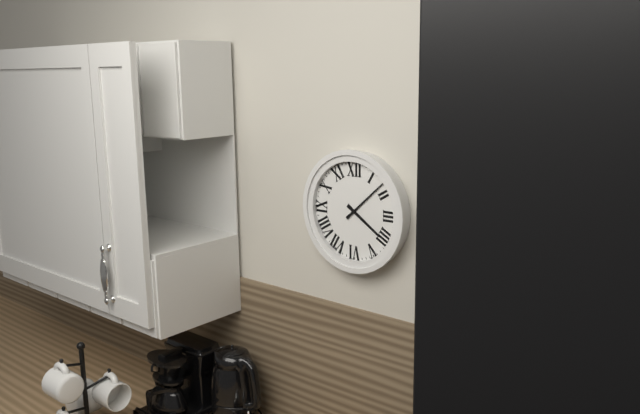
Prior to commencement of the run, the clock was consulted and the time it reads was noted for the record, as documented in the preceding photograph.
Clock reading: 4:08
